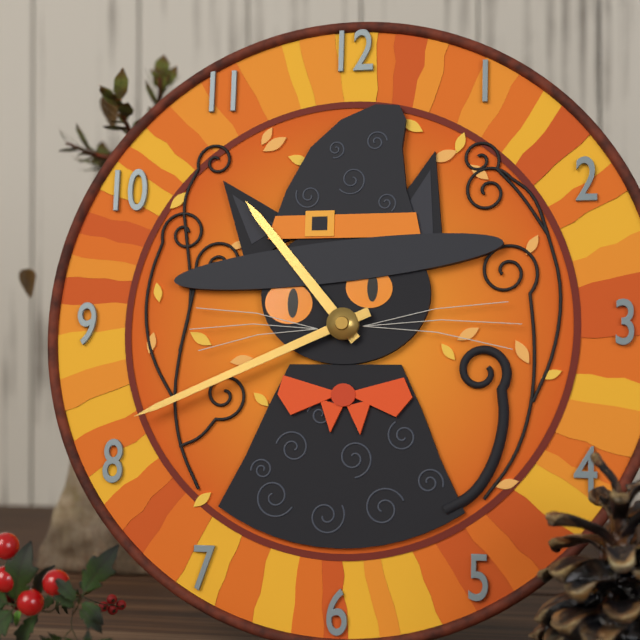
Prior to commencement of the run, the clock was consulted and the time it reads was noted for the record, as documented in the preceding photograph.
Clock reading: 10:41
